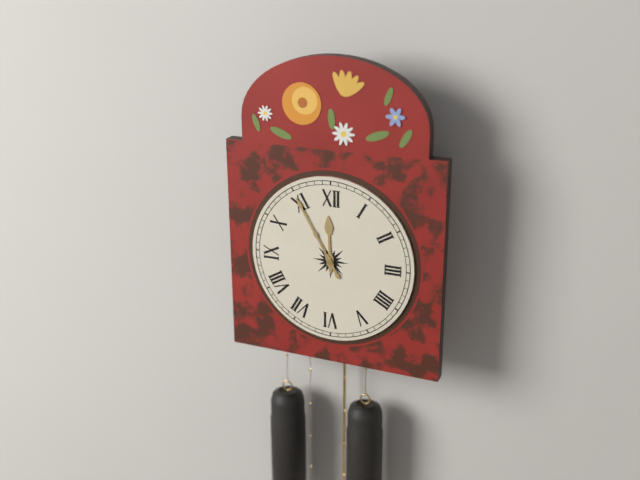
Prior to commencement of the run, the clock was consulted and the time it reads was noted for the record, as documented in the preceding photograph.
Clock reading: 11:55
